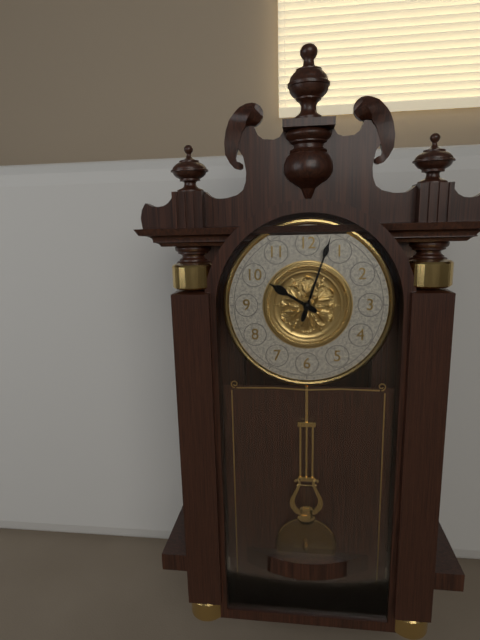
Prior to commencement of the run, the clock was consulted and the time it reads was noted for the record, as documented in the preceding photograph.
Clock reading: 10:03
